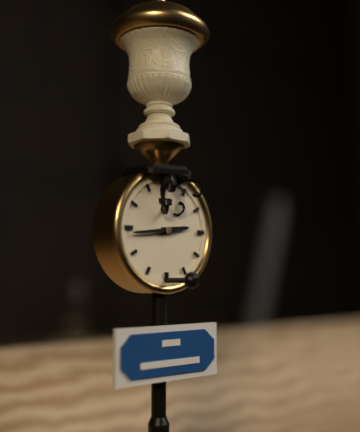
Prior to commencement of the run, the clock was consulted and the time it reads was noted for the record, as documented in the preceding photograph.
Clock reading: 2:44
